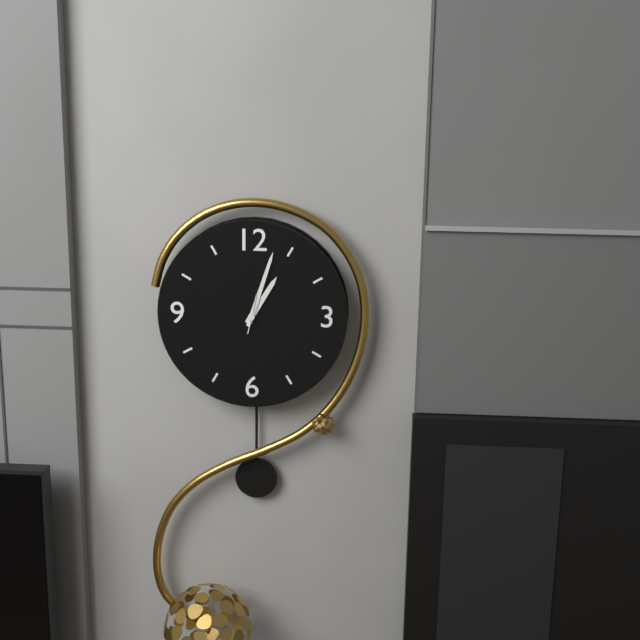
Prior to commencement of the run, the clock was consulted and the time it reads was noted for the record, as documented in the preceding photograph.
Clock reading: 1:03
